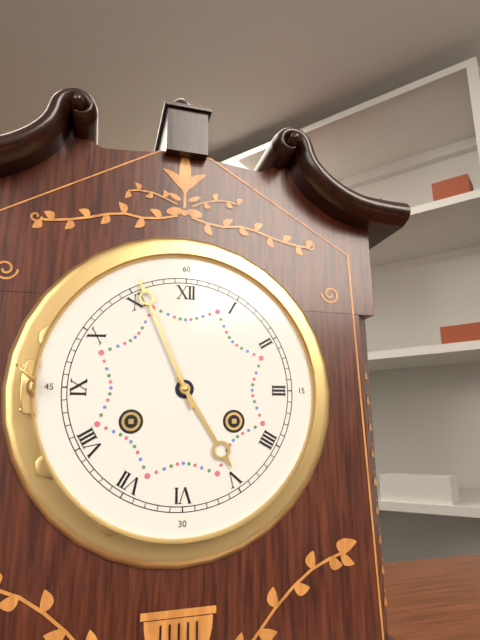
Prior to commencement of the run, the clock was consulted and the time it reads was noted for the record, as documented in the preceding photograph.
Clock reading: 4:56
